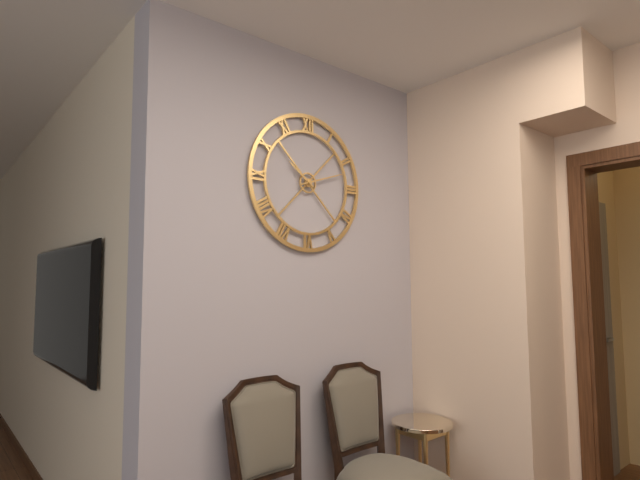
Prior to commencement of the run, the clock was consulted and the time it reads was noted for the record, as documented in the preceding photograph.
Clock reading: 10:12
